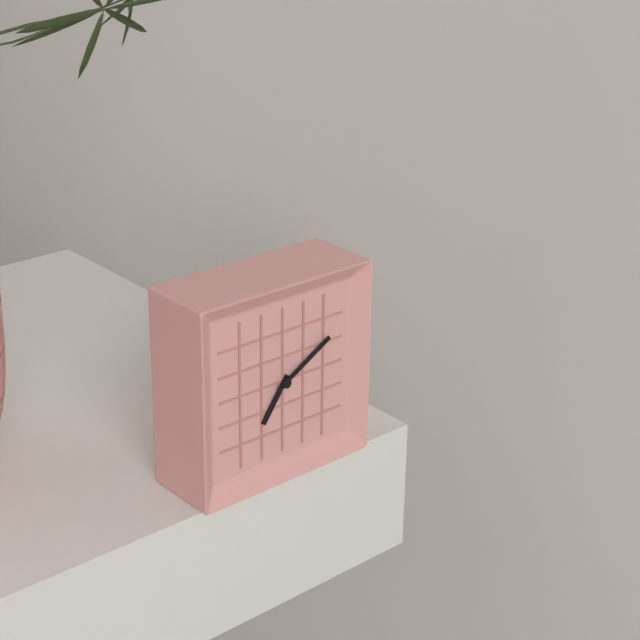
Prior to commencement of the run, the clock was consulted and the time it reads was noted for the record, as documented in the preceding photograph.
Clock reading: 7:10
